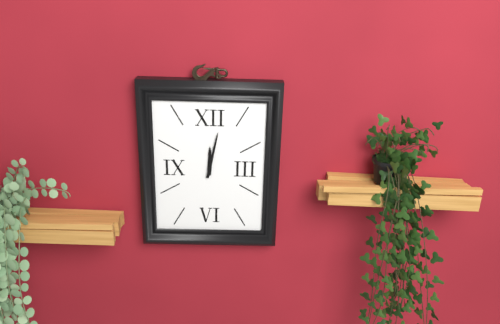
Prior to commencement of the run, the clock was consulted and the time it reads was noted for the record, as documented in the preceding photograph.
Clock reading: 12:02
